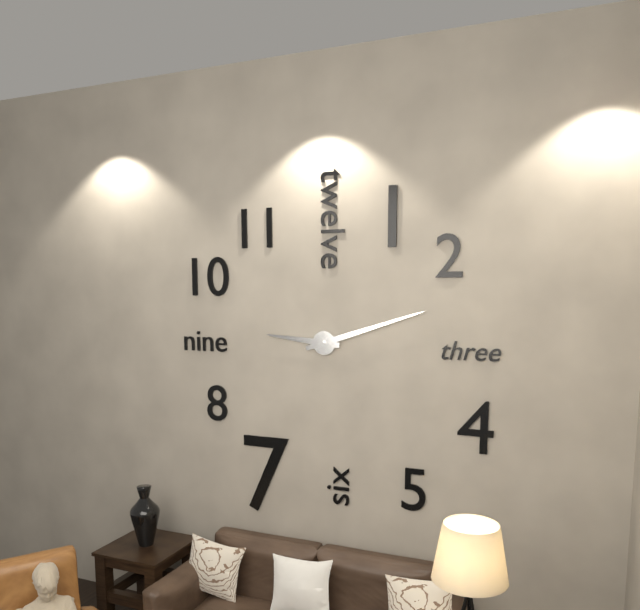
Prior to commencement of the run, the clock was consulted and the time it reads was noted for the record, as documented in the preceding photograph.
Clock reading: 9:12
